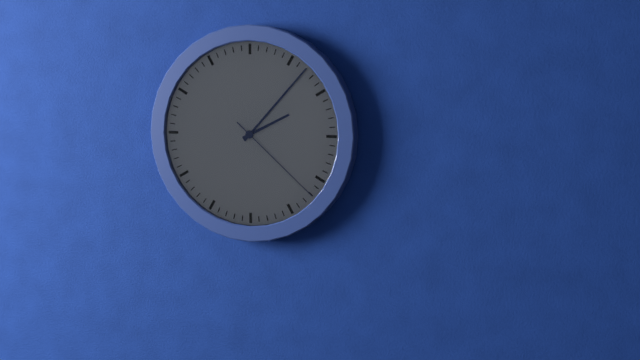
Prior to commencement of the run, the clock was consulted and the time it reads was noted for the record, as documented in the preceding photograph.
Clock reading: 2:07:22
